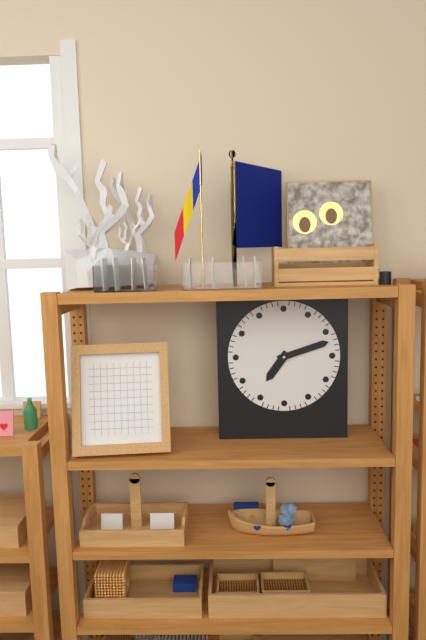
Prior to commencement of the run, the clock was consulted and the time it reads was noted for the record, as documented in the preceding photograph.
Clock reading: 7:12
